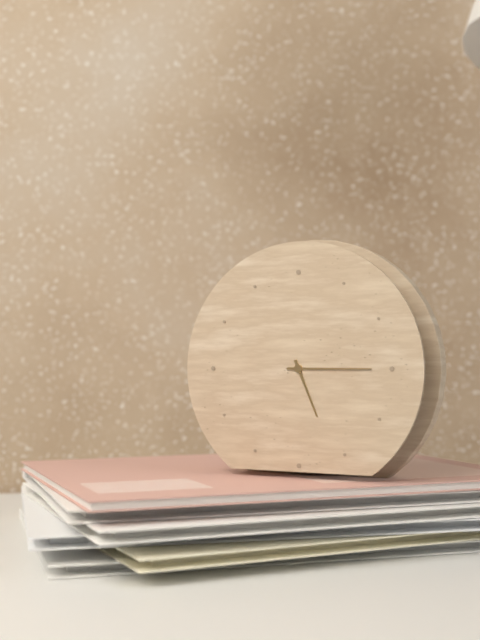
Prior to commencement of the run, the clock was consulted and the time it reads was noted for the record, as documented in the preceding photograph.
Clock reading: 5:15
